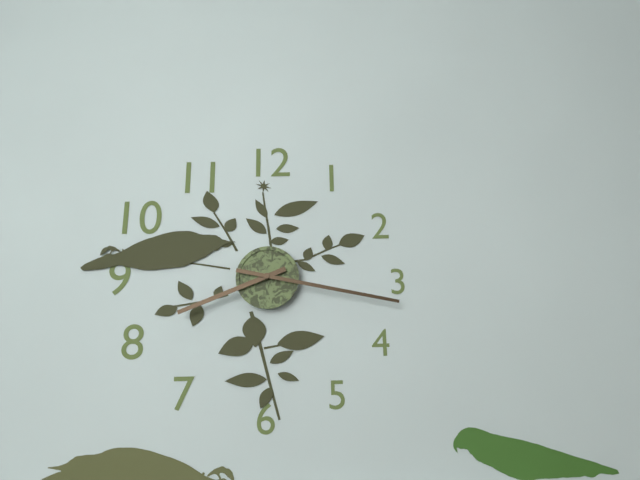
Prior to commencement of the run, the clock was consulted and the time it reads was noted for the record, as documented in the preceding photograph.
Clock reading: 8:17
